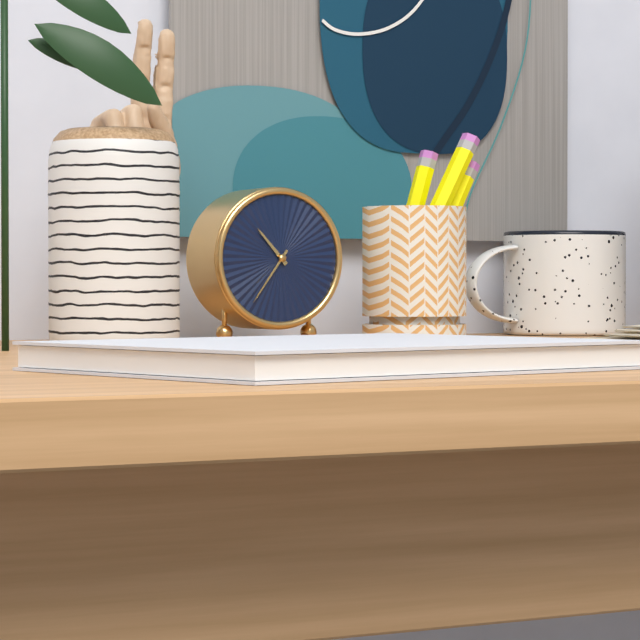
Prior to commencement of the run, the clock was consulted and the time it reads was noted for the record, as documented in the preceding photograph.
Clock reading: 10:36
